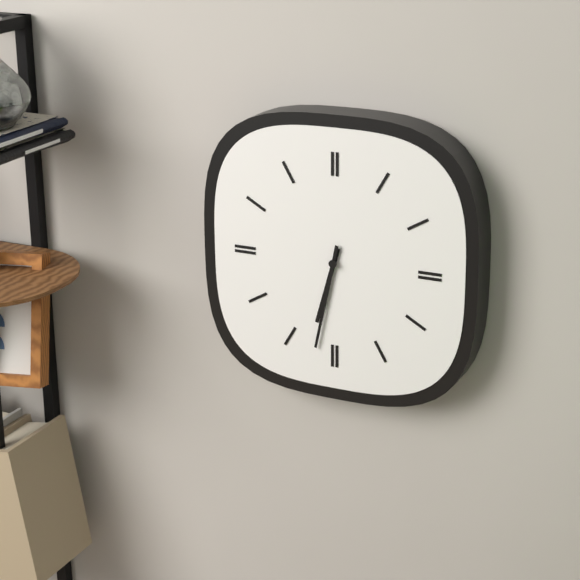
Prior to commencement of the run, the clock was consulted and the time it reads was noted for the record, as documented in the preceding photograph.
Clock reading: 6:32
